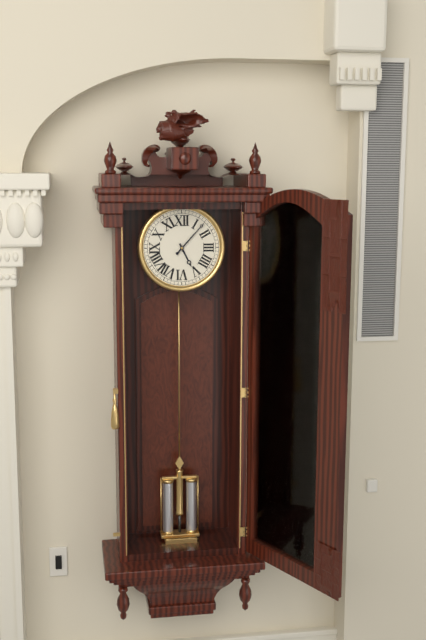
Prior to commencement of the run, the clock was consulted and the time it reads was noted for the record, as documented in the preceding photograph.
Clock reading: 5:07
